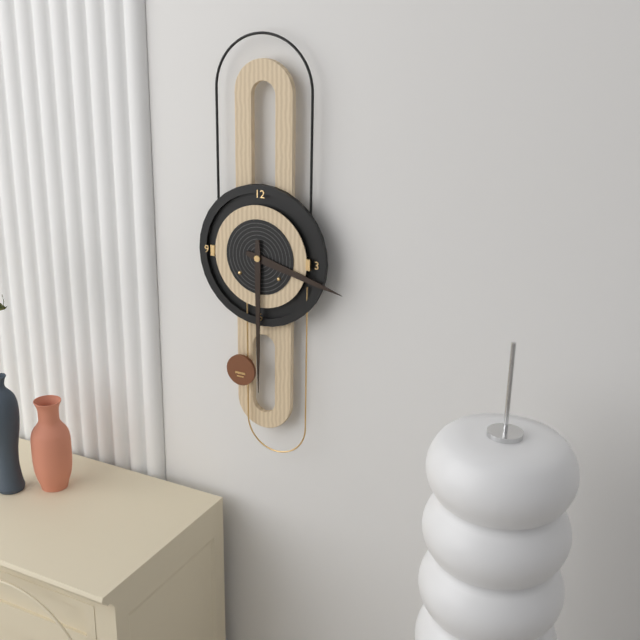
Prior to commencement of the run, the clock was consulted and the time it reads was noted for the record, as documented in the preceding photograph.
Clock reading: 3:30
